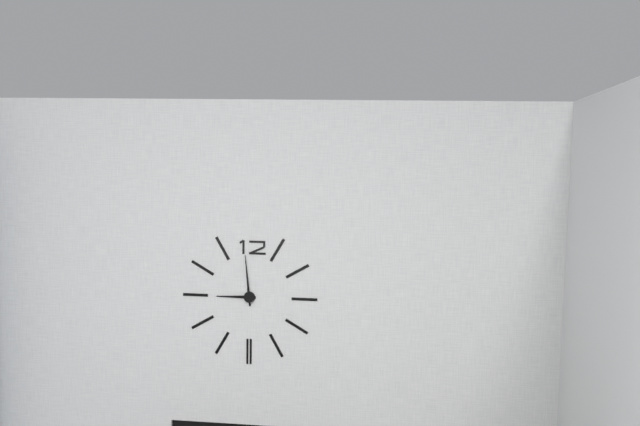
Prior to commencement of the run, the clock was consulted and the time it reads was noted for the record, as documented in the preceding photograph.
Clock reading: 8:59
